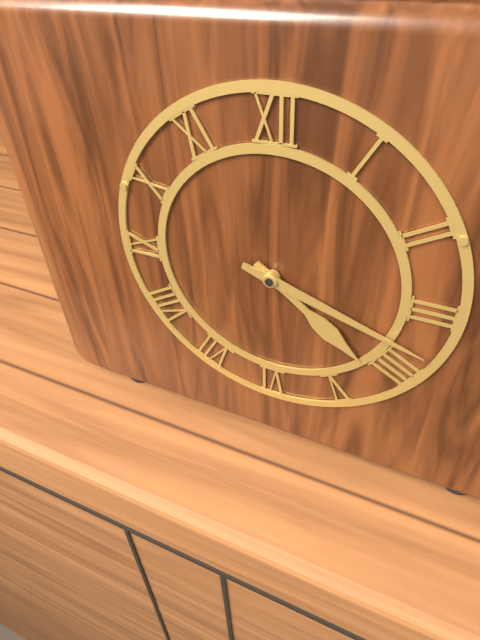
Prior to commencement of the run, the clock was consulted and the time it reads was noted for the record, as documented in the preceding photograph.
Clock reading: 4:18
